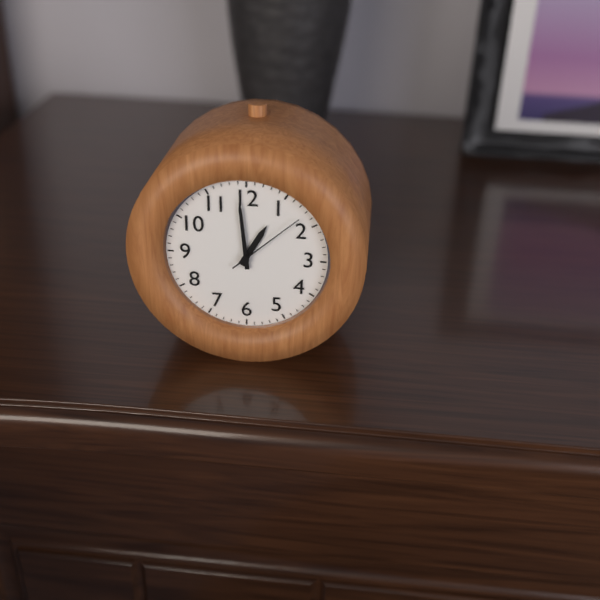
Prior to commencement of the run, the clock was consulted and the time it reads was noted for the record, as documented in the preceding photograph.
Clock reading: 12:59:08
